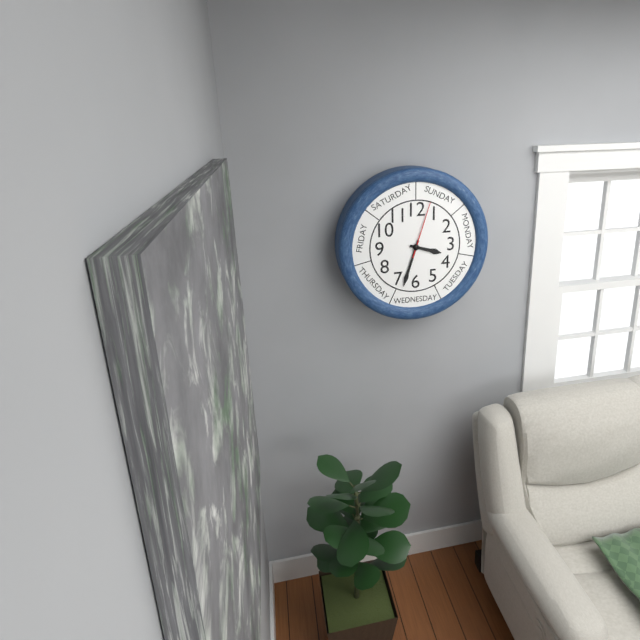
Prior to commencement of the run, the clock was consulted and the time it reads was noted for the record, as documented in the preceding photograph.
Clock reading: 3:33:03
